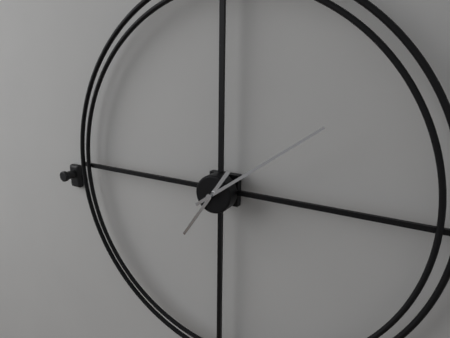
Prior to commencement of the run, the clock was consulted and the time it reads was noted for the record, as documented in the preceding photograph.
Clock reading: 7:09
